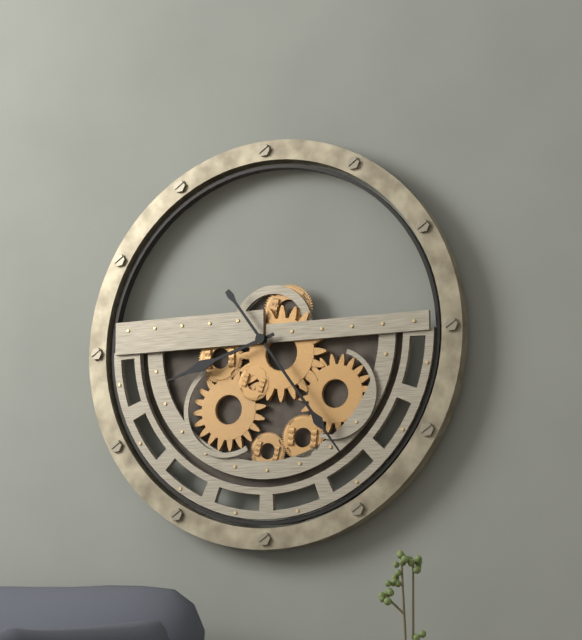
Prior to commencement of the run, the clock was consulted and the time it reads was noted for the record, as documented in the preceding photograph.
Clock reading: 8:24
